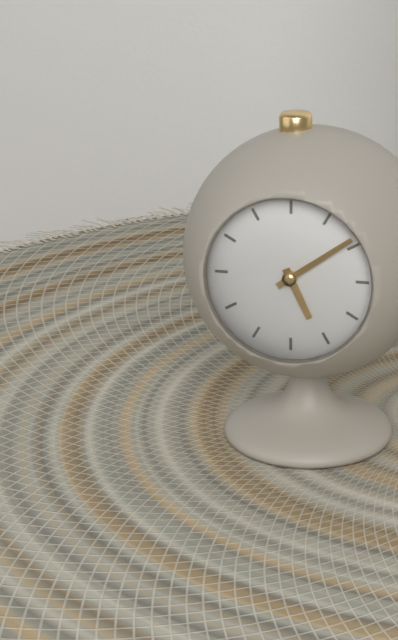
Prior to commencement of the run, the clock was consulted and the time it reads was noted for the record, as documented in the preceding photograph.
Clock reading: 5:09
